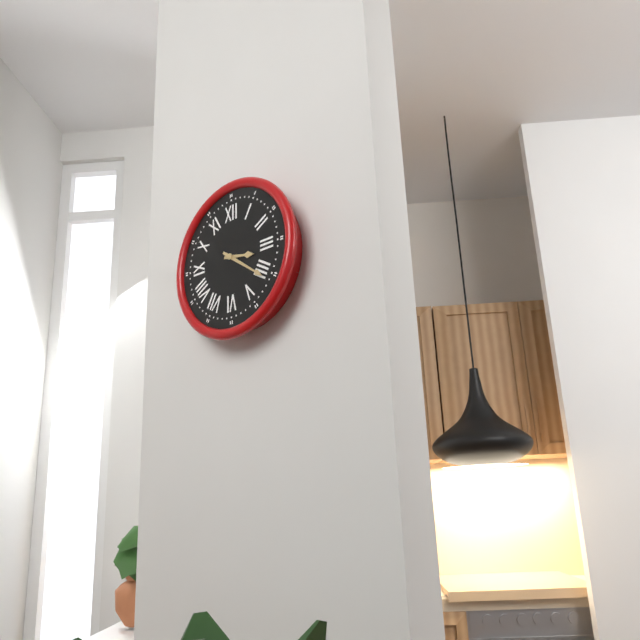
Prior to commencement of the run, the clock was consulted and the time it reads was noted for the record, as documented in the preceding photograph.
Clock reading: 3:21
